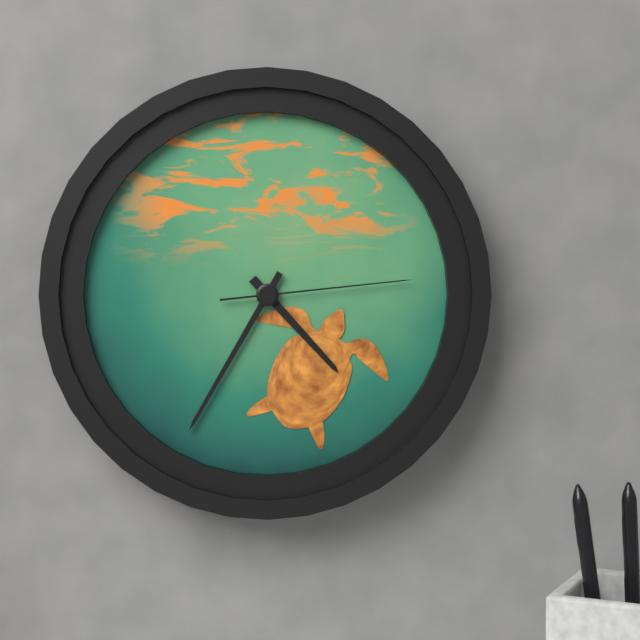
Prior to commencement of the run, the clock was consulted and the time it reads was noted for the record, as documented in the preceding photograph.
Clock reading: 4:35:14
